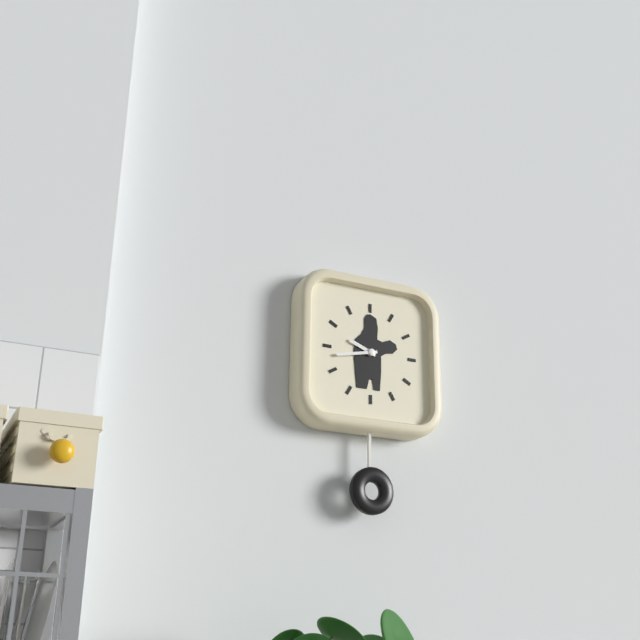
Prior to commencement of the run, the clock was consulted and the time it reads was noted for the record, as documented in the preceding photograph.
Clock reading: 9:43
